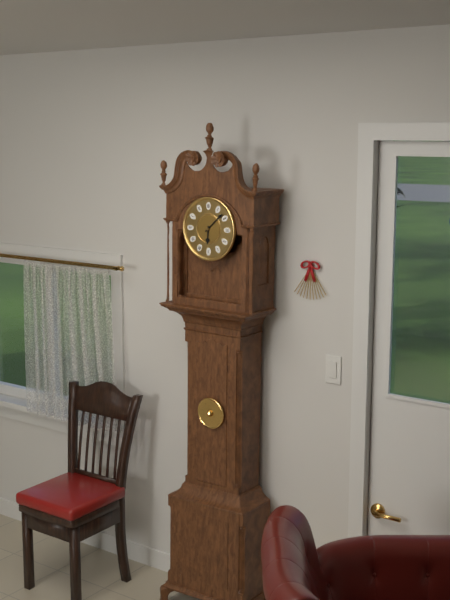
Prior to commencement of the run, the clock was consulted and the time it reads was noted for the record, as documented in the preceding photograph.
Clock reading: 6:08
